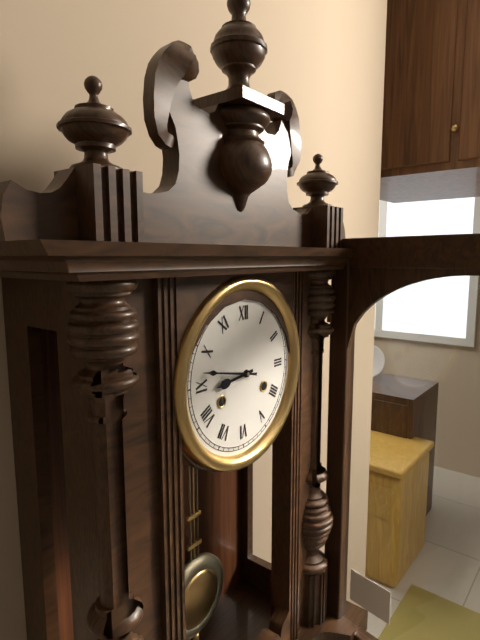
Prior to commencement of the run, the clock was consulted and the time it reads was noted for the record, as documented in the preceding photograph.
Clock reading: 8:47
